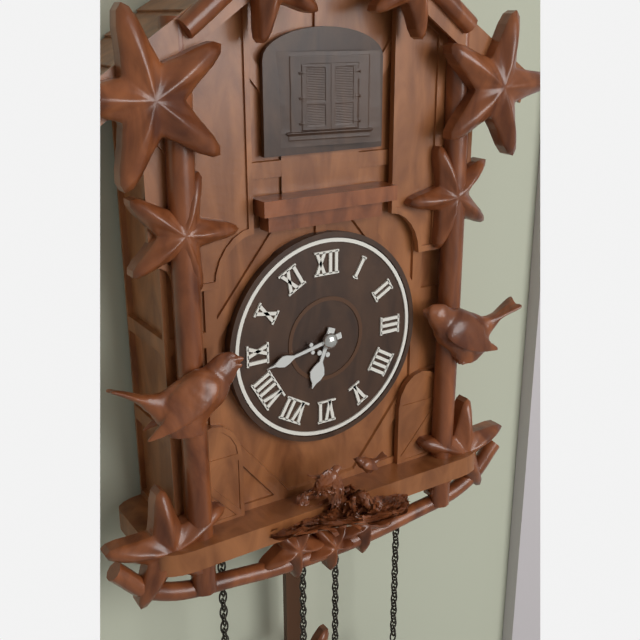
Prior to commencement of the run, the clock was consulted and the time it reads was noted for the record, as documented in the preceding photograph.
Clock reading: 6:43
